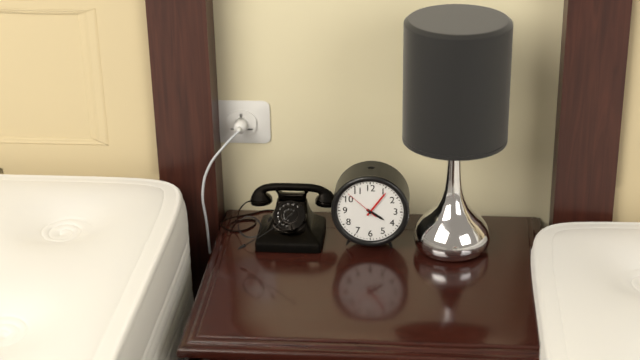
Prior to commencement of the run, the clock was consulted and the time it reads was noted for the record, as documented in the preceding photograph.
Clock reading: 4:06
